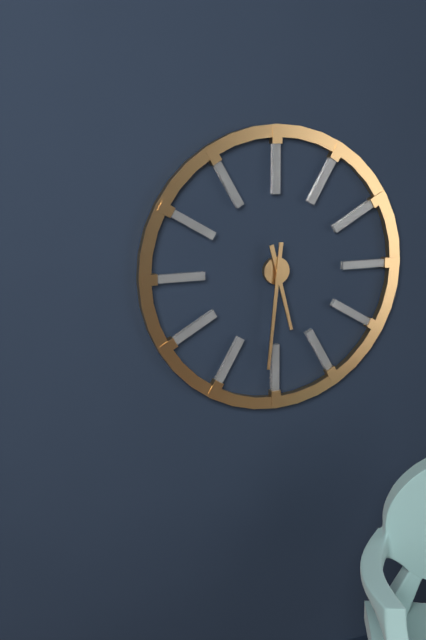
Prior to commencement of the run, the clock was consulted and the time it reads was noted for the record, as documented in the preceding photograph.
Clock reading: 5:31
